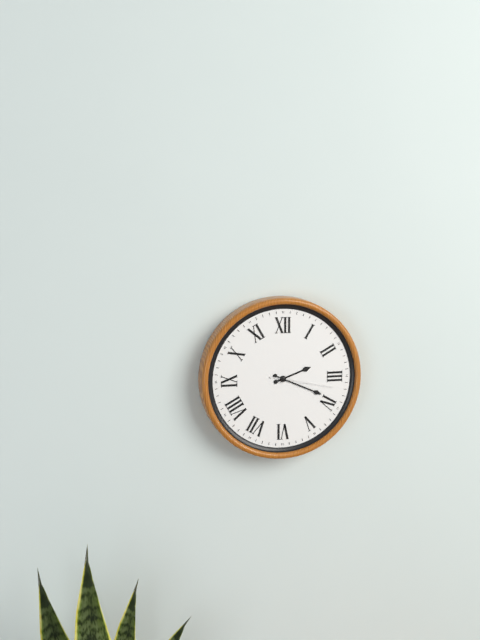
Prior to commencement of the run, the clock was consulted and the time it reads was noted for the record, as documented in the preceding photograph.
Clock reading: 2:19:17
